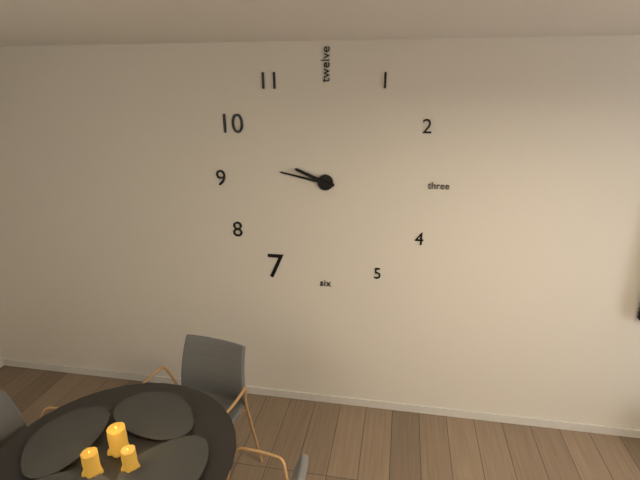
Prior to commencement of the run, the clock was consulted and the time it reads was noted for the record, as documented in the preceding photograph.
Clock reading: 9:47
